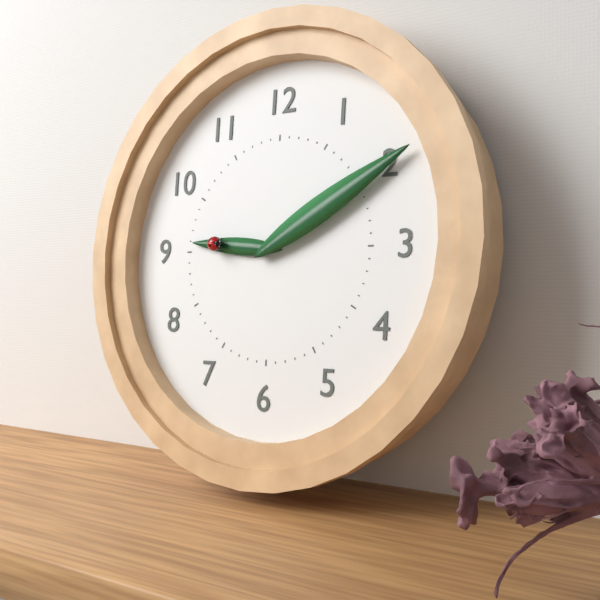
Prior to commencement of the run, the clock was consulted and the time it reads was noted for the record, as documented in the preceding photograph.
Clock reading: 9:10
